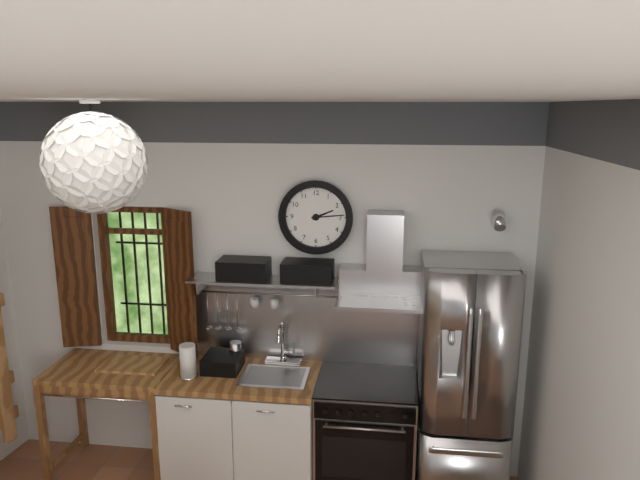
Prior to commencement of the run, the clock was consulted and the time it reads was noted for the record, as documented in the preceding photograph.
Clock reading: 2:14
